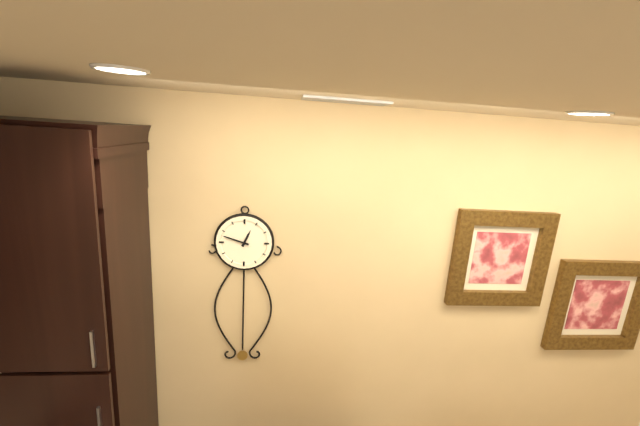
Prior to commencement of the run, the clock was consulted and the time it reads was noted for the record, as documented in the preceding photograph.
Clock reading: 12:48
